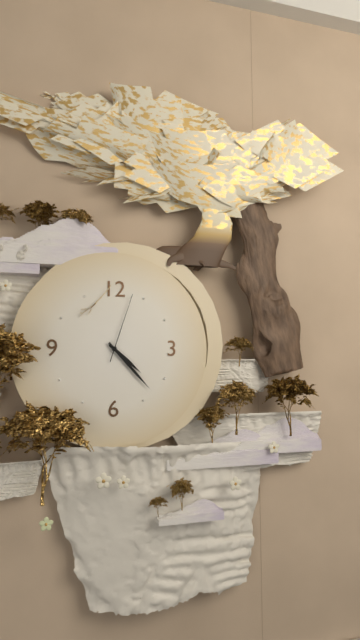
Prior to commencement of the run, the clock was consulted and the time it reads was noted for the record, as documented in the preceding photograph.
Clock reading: 4:23:03
